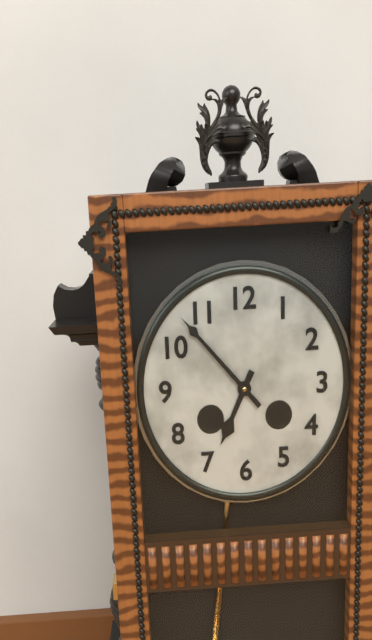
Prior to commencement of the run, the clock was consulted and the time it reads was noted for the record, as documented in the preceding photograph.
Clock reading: 6:53
